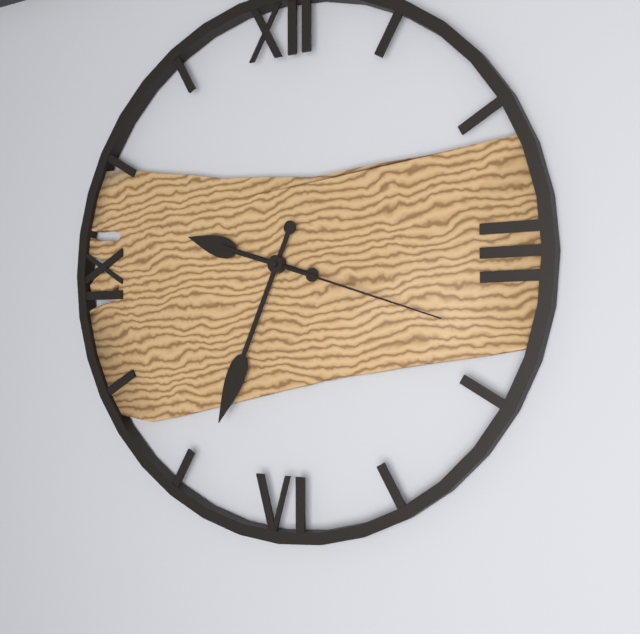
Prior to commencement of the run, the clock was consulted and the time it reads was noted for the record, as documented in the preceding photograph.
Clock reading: 9:34:18
